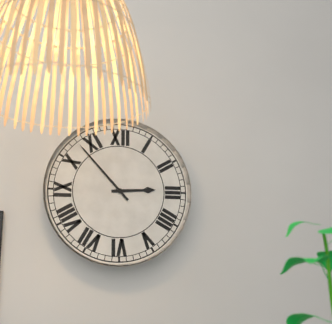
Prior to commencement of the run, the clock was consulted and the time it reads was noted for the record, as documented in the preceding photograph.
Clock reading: 2:53
